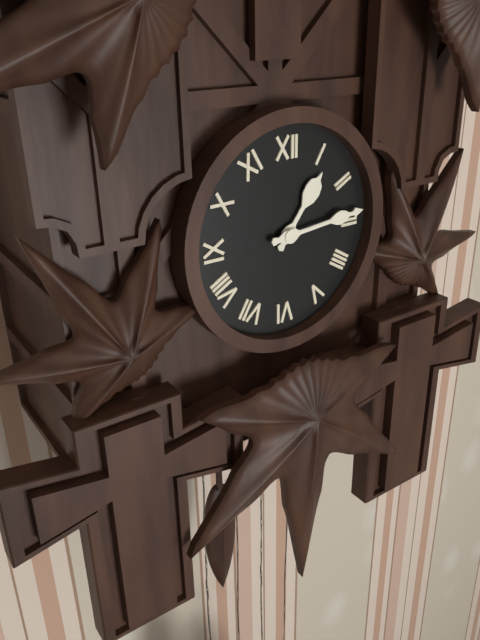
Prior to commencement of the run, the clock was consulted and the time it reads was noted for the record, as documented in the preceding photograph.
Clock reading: 1:14
